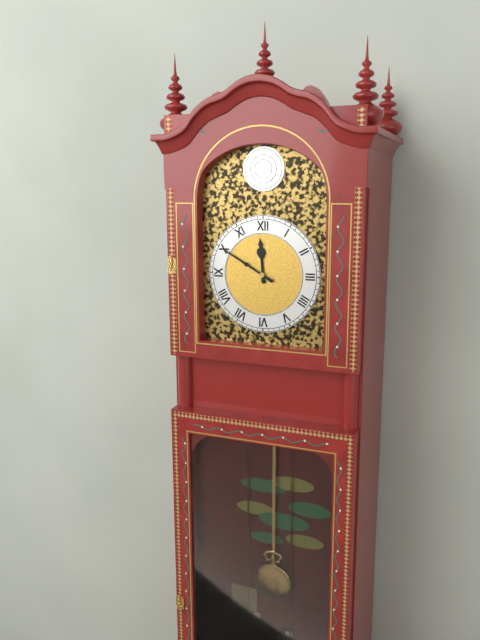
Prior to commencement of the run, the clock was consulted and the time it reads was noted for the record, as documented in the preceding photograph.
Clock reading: 11:50
